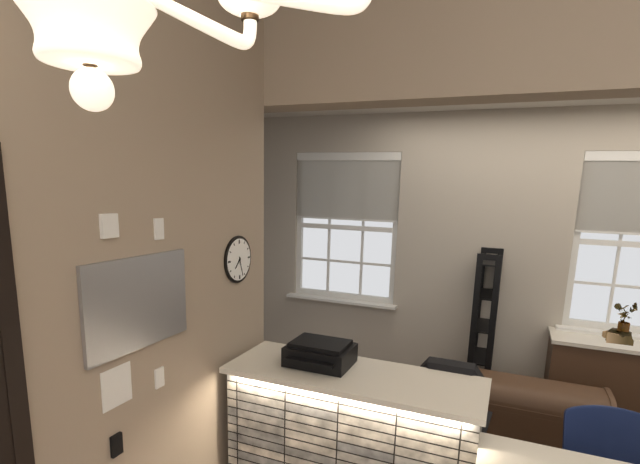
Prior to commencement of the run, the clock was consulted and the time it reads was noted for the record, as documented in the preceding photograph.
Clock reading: 7:27
